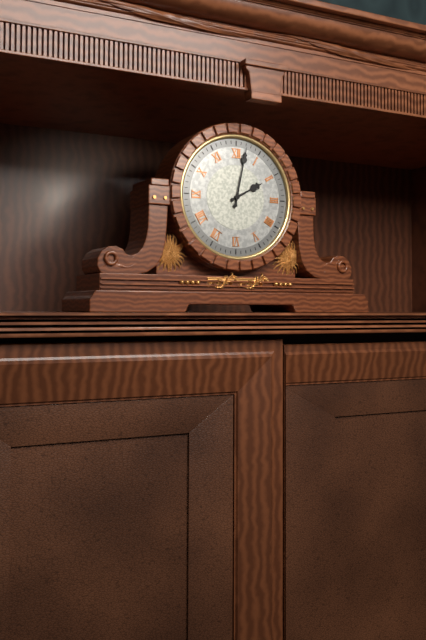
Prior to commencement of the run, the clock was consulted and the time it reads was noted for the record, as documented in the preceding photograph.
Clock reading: 2:02
